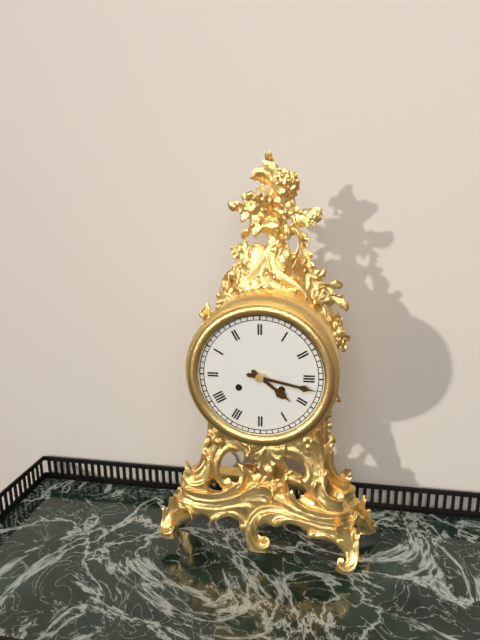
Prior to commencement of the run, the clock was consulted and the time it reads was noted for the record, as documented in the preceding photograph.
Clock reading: 4:17
